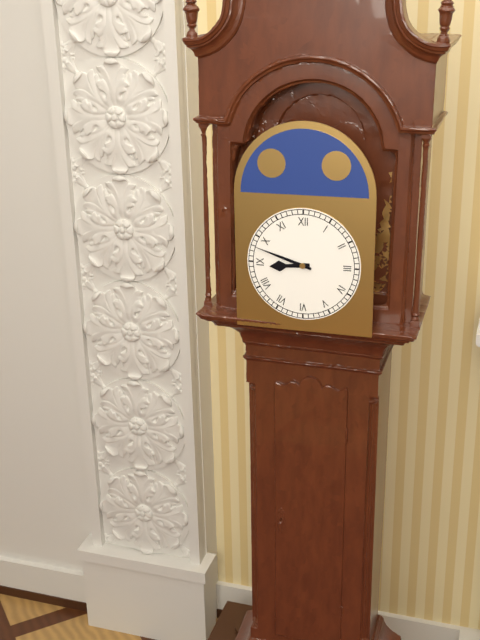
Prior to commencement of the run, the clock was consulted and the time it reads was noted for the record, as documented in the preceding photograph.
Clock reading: 8:48
